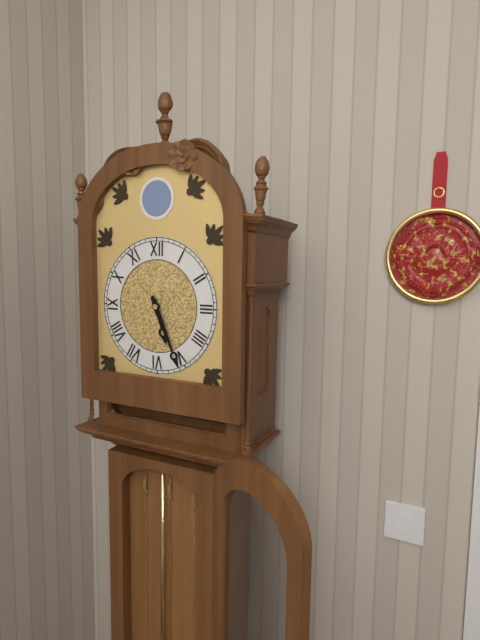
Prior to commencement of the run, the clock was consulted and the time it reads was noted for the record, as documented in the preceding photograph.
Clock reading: 5:26
